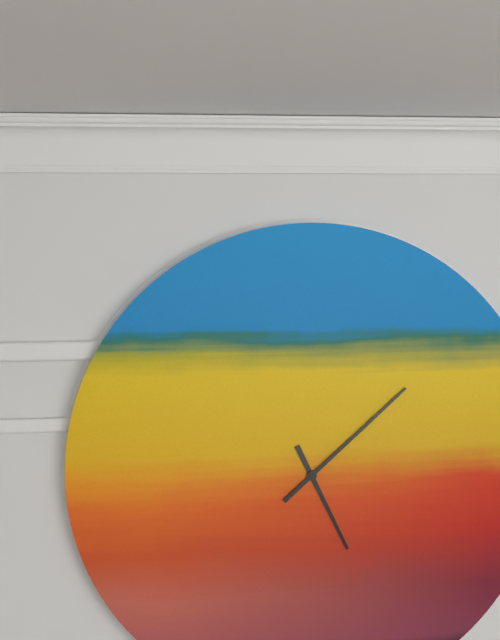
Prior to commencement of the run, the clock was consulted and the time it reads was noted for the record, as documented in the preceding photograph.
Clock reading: 5:08
